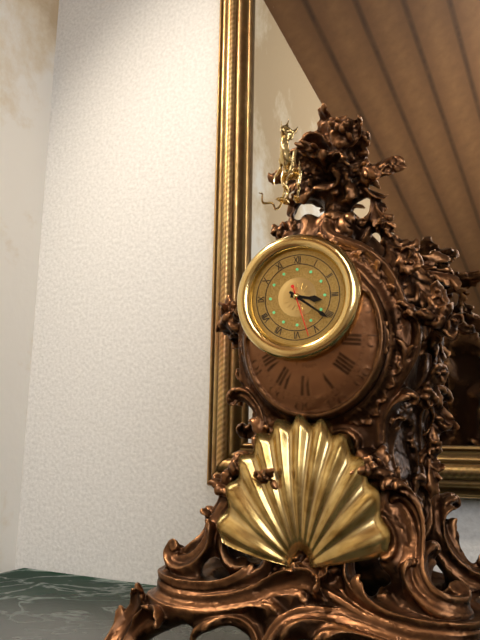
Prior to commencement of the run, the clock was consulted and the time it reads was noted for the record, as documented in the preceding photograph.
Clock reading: 3:21:27
